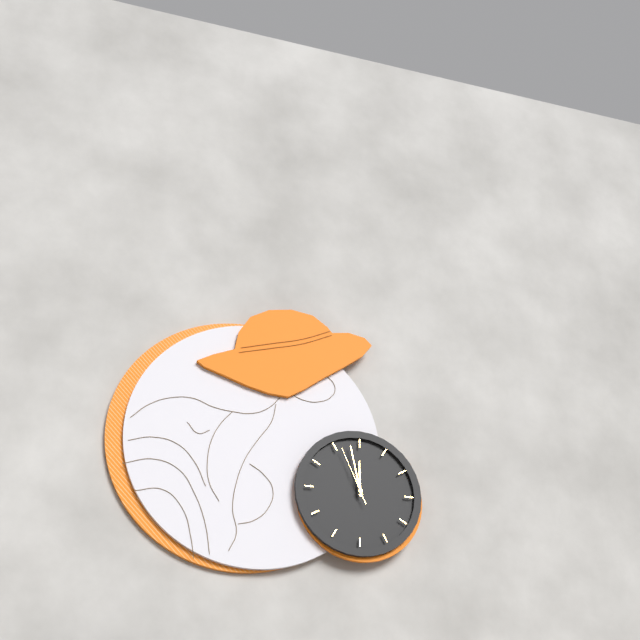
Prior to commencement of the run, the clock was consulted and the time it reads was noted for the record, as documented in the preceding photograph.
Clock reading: 11:58:56
